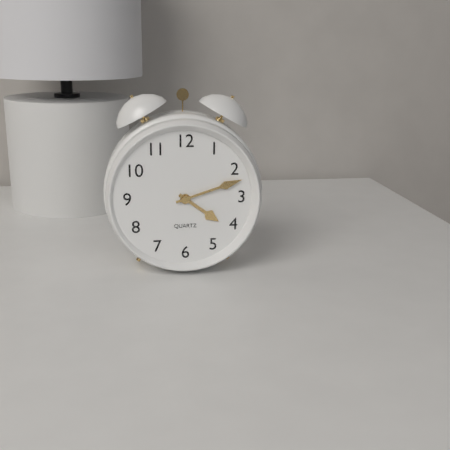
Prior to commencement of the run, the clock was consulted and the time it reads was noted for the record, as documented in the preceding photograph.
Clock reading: 4:12
